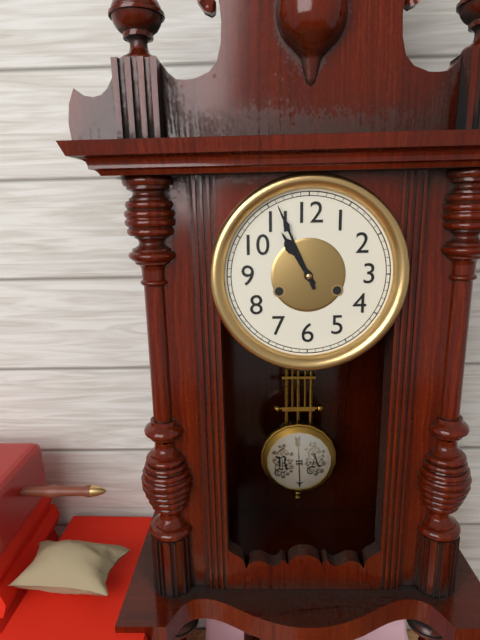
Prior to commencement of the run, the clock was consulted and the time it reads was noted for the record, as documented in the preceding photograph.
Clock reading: 10:56
